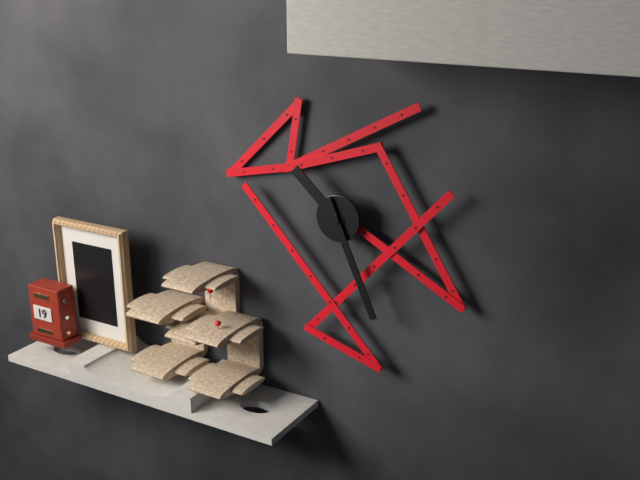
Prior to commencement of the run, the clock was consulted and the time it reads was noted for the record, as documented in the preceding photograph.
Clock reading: 10:26
